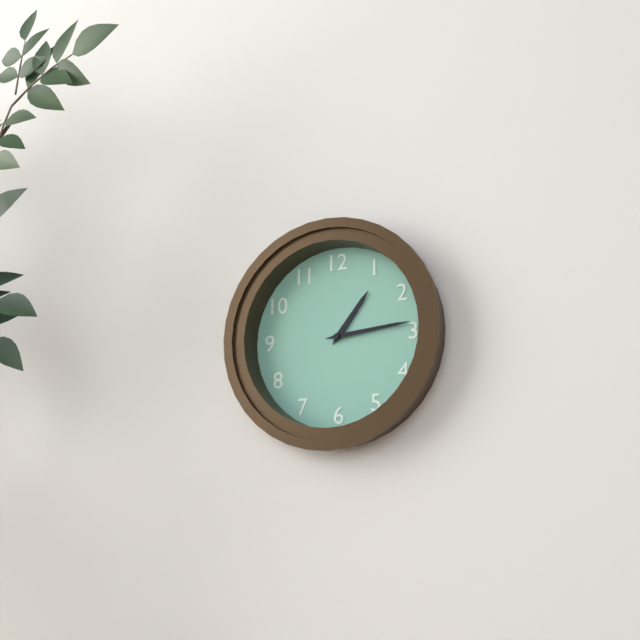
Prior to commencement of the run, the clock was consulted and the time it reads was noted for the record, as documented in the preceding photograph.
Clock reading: 1:14
